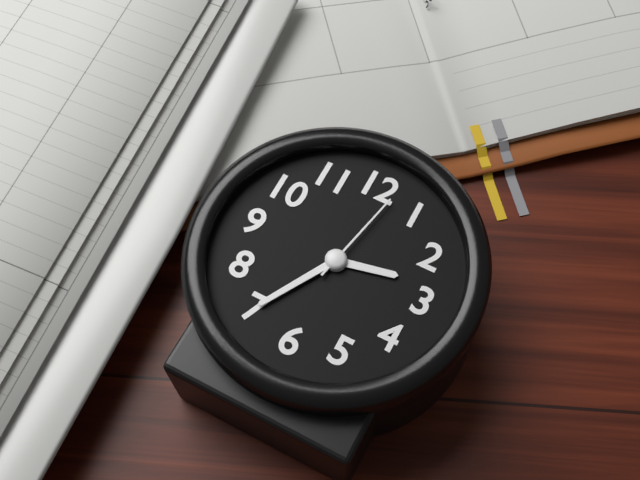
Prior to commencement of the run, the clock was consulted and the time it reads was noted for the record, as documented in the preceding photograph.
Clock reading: 2:35:02
